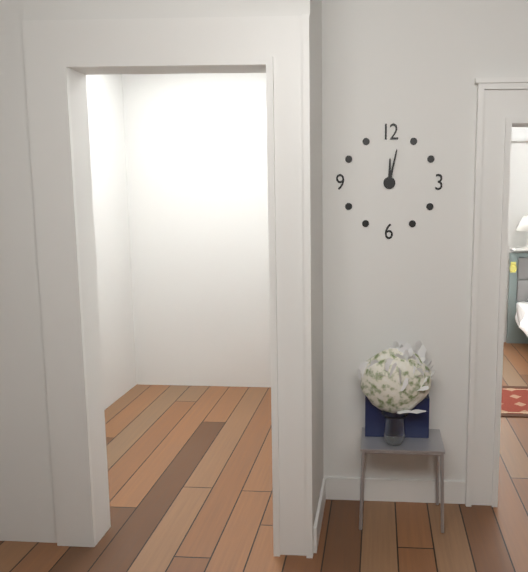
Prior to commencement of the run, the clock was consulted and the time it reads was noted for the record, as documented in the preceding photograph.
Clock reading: 12:02
